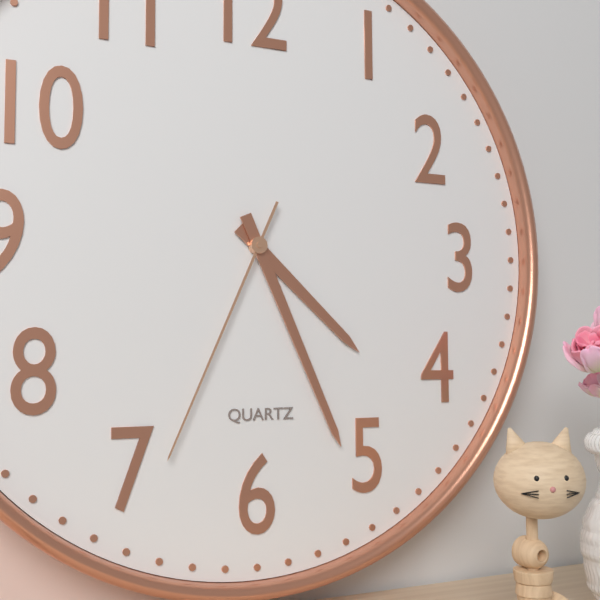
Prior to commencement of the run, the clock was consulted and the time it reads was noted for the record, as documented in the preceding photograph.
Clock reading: 4:26:34
